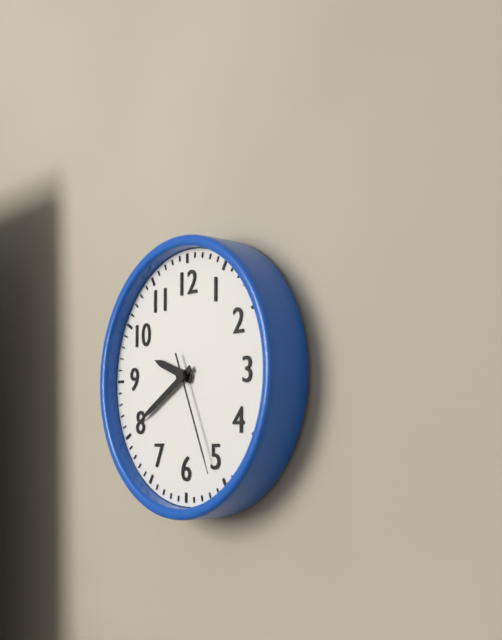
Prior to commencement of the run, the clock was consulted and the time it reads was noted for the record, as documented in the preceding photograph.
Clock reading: 9:40:26
